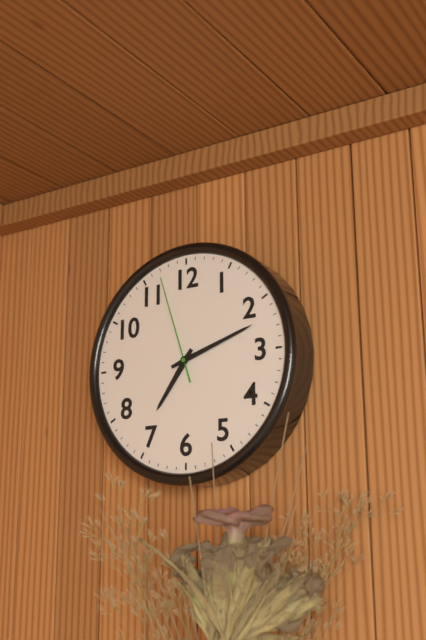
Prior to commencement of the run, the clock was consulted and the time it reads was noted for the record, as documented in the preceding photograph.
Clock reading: 7:12:57
